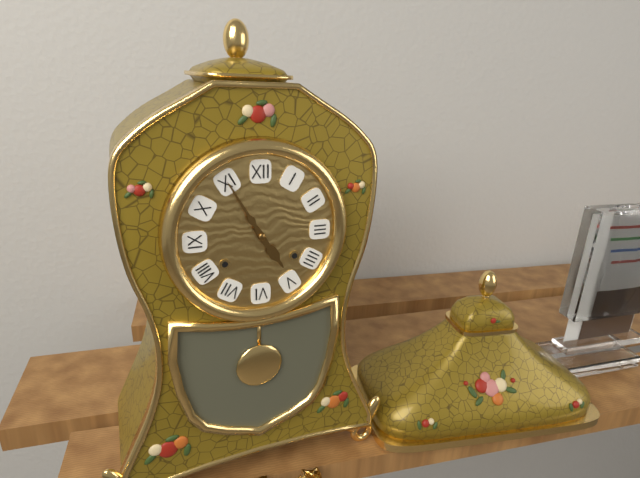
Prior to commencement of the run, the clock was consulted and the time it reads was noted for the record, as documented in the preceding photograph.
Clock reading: 4:55
